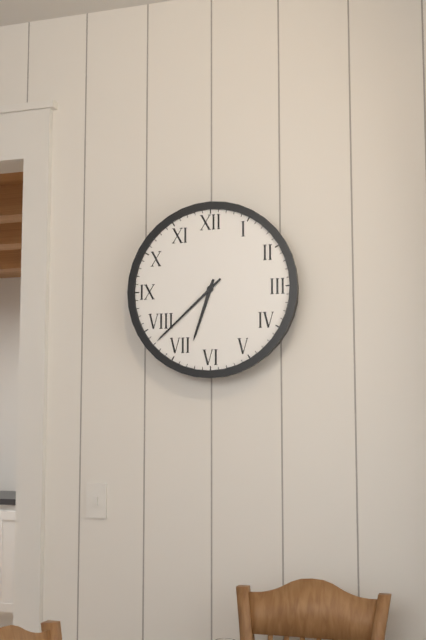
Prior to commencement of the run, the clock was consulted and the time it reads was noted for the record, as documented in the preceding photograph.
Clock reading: 6:38
